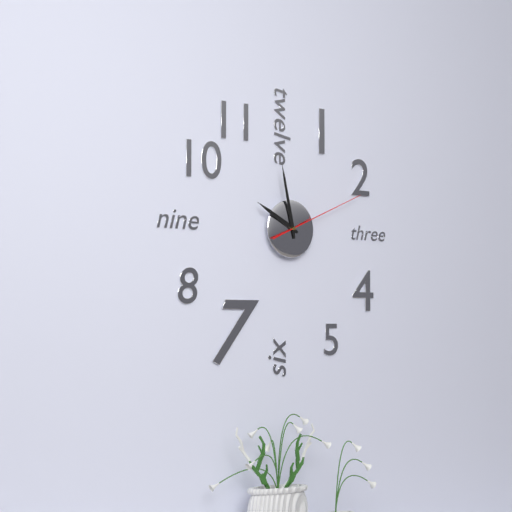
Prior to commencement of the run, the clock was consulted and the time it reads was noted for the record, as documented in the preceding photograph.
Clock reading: 9:58:11
